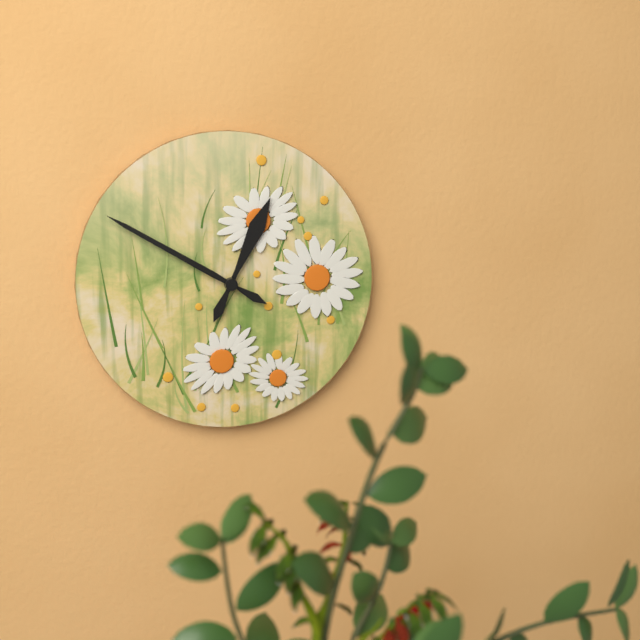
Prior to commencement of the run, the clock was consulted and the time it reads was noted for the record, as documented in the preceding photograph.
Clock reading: 12:50
